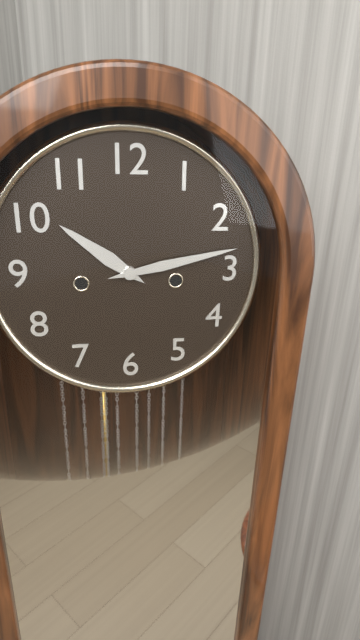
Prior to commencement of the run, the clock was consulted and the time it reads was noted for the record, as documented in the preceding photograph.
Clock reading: 10:13
